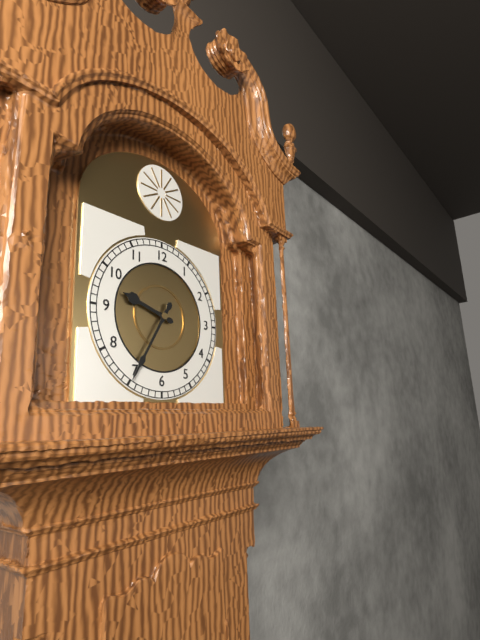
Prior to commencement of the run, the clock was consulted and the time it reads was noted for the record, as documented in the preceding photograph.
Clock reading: 9:35
